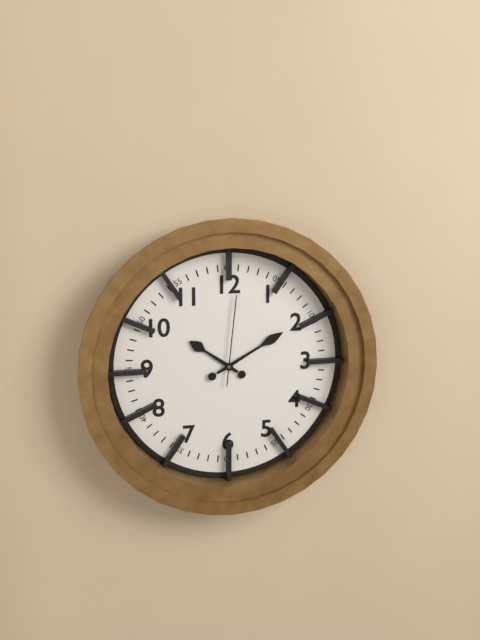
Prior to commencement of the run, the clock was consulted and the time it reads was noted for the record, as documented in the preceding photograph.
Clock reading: 10:10:01
